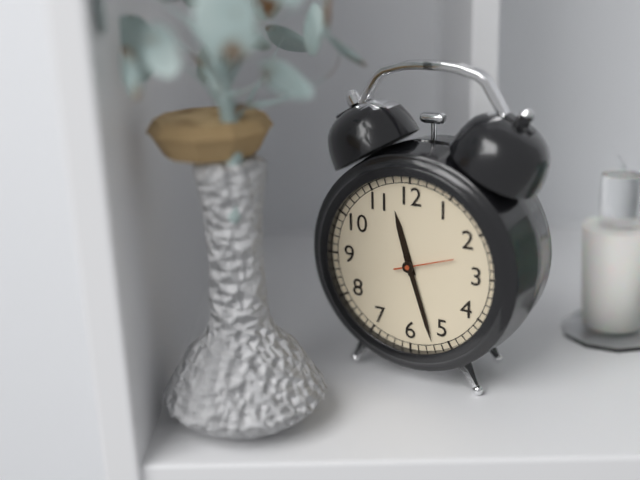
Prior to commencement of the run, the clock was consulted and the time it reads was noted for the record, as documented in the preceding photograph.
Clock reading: 11:27:12
